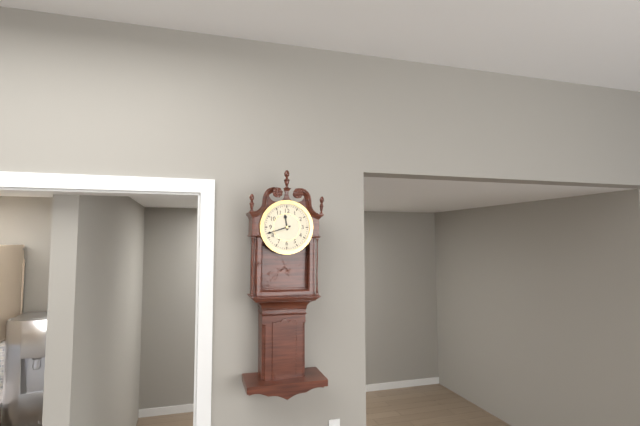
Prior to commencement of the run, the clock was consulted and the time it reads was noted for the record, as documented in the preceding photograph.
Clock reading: 11:42
